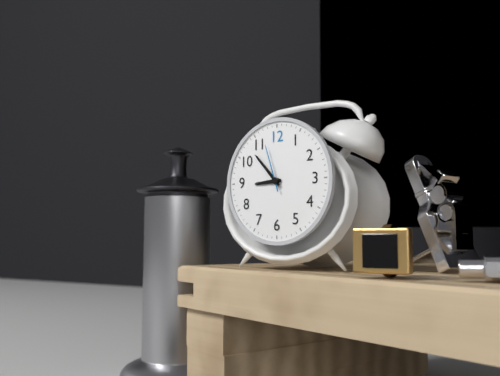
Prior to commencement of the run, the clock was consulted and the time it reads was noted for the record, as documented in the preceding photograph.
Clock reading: 8:53
